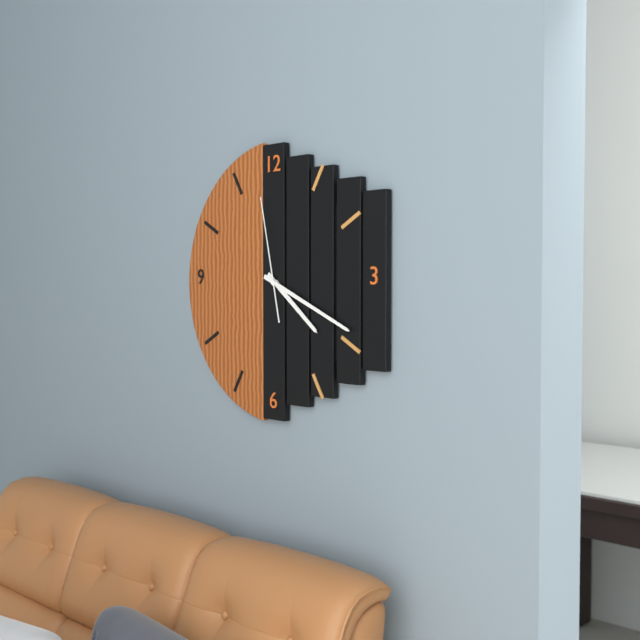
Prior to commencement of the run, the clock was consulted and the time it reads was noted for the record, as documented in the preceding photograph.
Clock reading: 4:19:58
